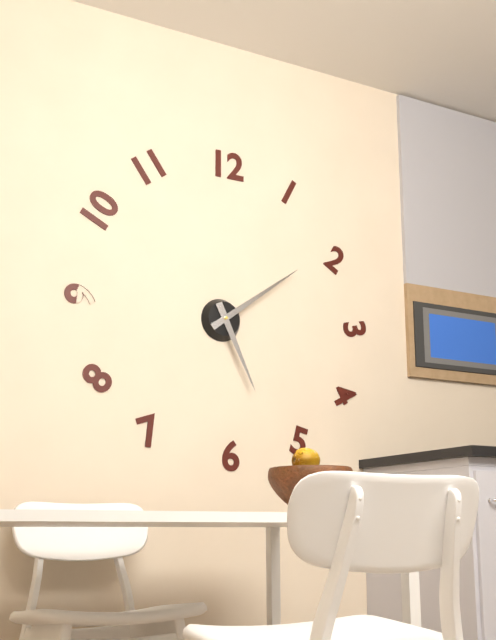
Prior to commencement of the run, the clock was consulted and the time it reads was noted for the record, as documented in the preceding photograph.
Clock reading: 5:09
